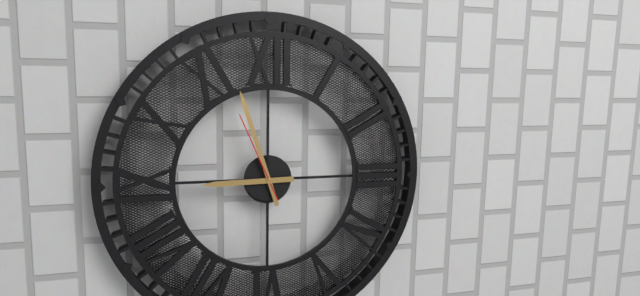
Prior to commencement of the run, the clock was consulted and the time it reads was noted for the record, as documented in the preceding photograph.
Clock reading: 8:57:56
